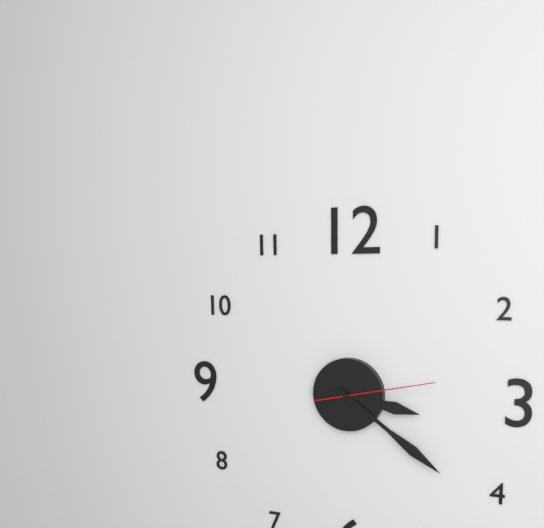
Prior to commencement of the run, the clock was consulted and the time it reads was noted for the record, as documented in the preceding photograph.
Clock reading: 3:21:13
